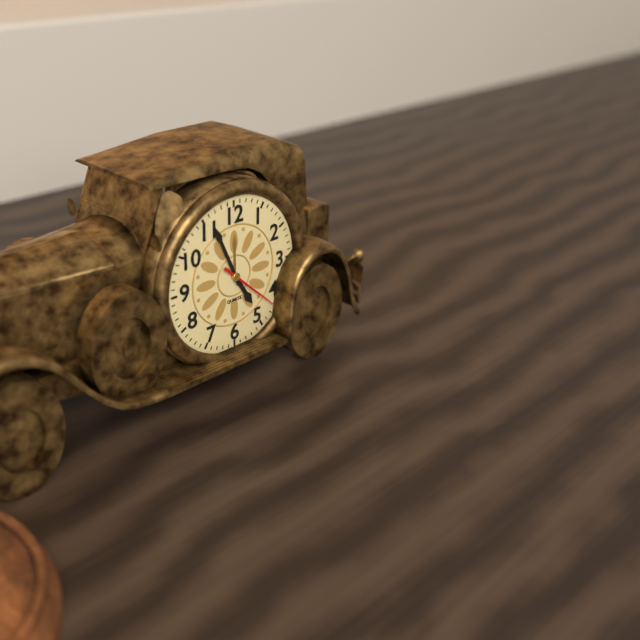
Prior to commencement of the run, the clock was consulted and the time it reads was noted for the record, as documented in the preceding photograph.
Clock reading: 4:56:22
